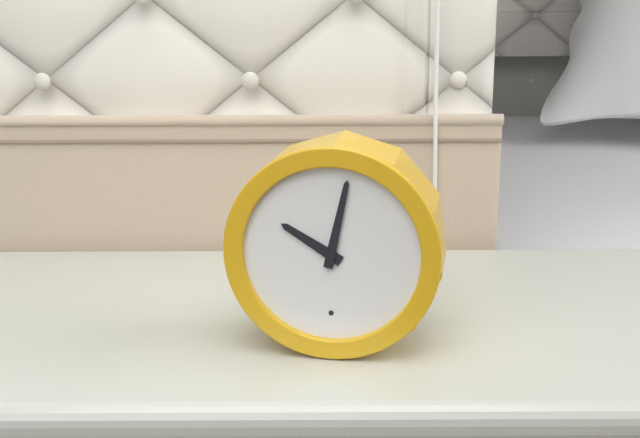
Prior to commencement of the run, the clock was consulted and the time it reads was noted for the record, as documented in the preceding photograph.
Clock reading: 10:02
